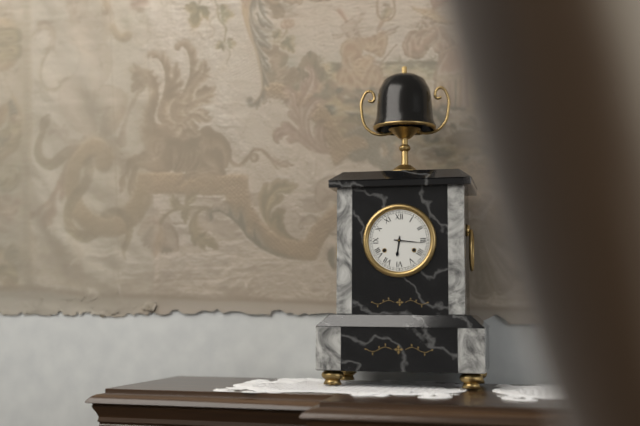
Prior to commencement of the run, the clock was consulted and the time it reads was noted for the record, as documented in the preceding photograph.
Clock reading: 6:16
